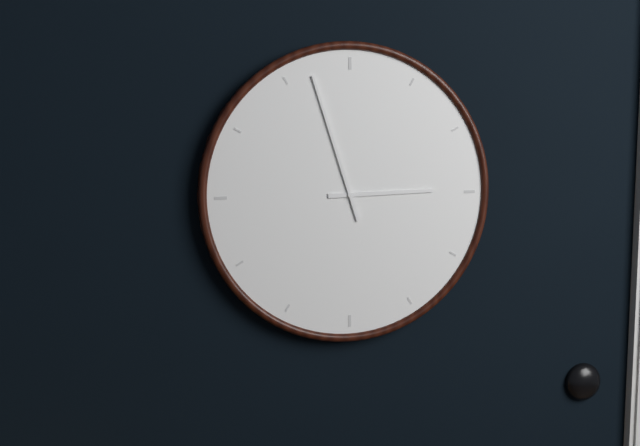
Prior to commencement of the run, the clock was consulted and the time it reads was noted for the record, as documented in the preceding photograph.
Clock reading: 2:57
